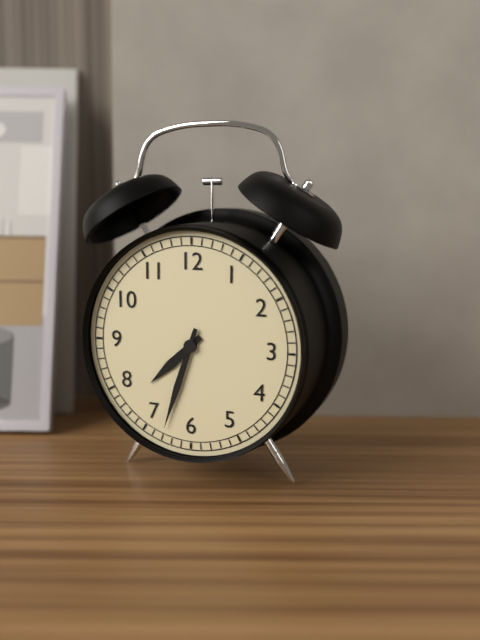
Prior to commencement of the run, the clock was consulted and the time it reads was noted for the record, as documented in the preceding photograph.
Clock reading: 7:33
